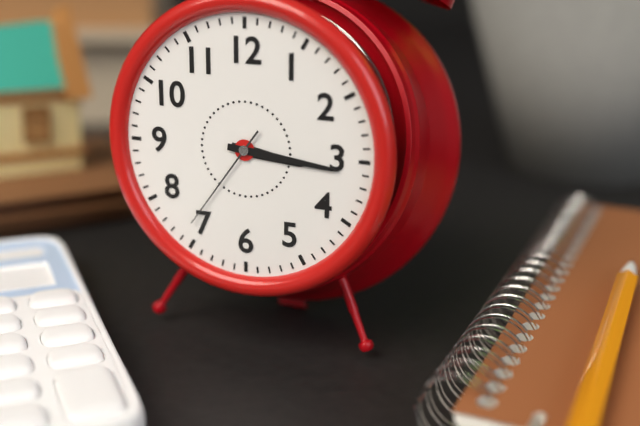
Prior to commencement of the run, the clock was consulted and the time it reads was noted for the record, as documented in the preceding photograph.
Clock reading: 3:16:36
